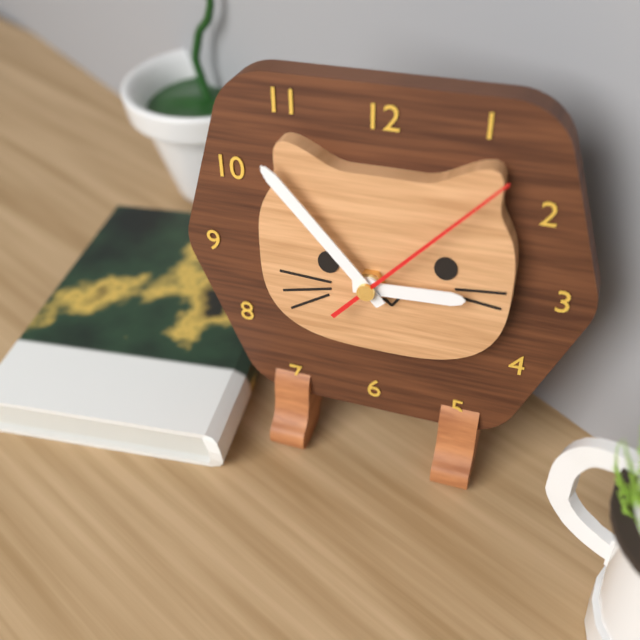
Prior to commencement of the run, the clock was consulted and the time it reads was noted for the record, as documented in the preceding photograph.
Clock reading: 2:53:07
